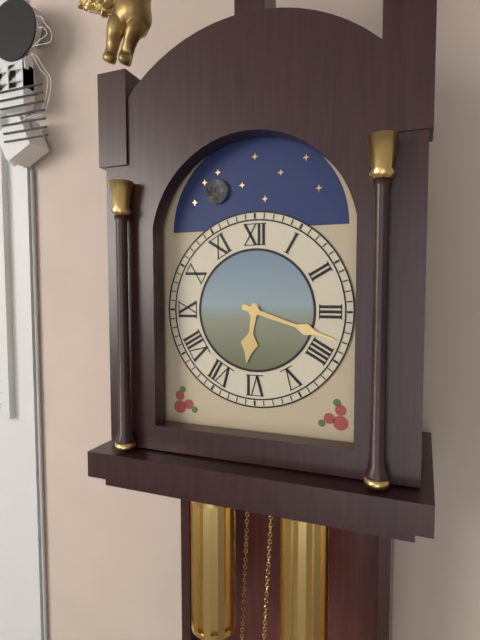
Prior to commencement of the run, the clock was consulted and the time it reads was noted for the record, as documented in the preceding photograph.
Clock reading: 6:18
